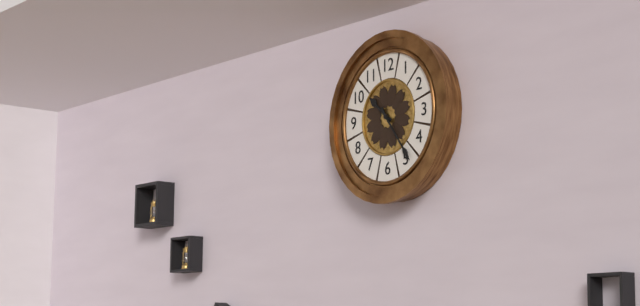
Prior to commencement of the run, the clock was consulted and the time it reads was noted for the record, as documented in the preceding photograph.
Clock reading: 10:24
